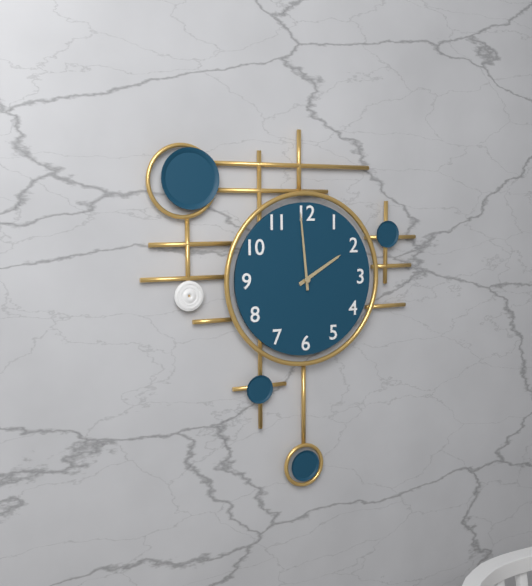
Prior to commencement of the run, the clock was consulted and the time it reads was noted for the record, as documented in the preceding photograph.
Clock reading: 1:59
